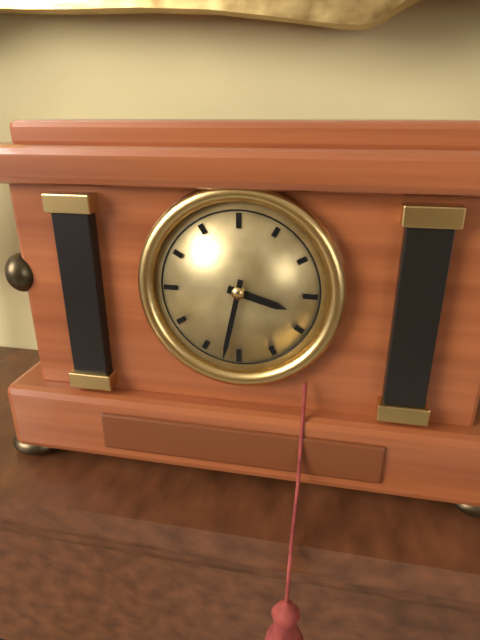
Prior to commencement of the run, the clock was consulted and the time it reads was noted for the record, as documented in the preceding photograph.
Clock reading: 3:32
